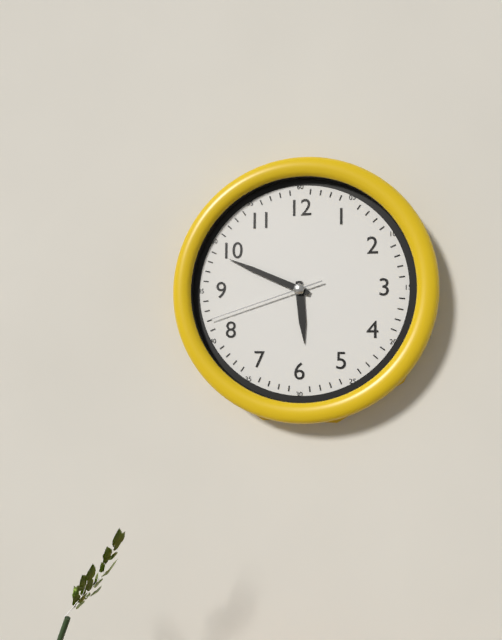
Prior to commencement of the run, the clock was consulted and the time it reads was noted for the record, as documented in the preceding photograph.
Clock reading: 5:49:42
